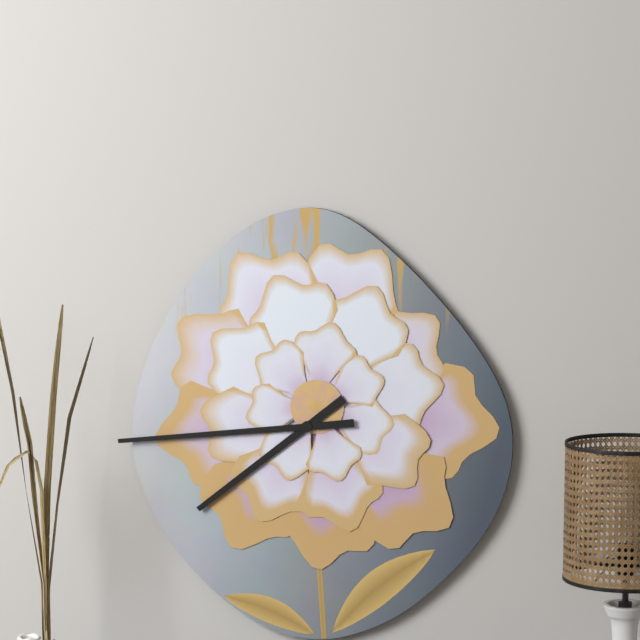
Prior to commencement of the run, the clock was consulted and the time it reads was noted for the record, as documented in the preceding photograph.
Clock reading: 7:44
